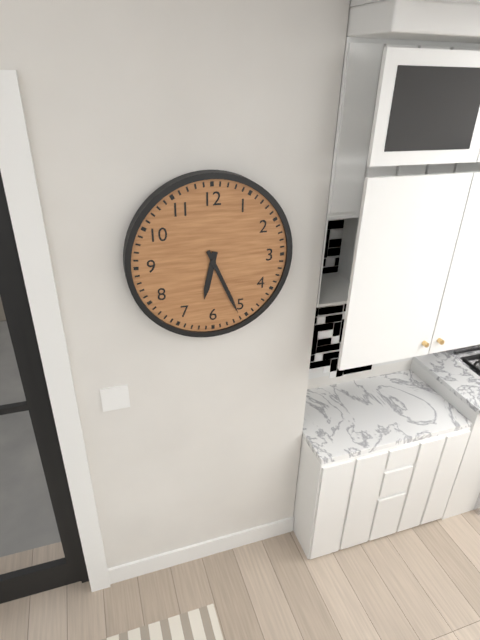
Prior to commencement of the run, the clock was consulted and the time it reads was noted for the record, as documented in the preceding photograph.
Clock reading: 6:26
